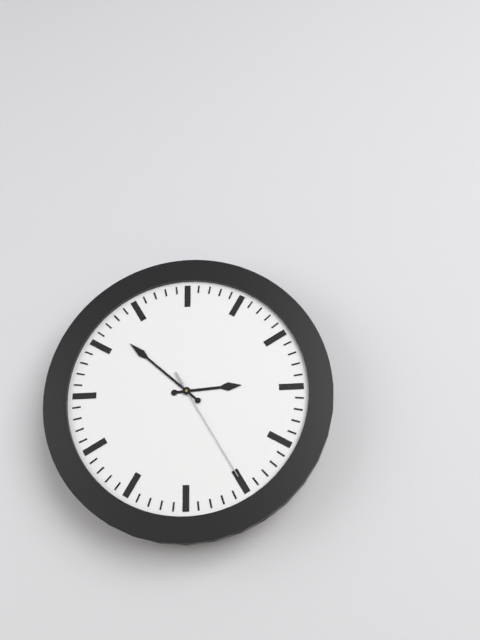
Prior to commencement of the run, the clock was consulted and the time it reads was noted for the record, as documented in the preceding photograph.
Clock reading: 2:52:25
